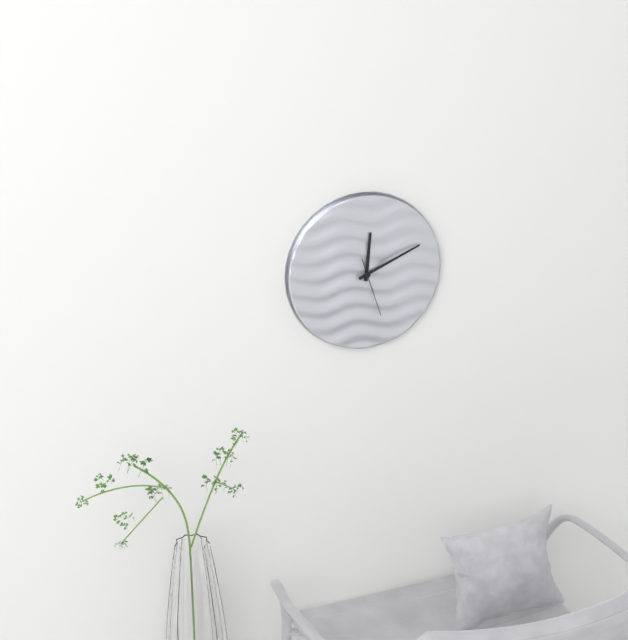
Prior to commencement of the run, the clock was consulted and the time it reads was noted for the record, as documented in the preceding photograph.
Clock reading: 12:11:27
